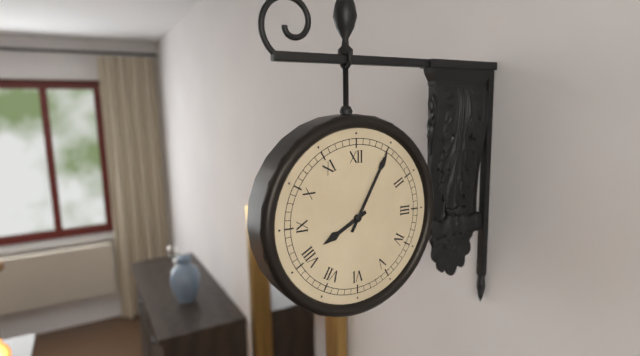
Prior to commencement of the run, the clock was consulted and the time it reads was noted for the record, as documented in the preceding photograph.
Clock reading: 8:05
